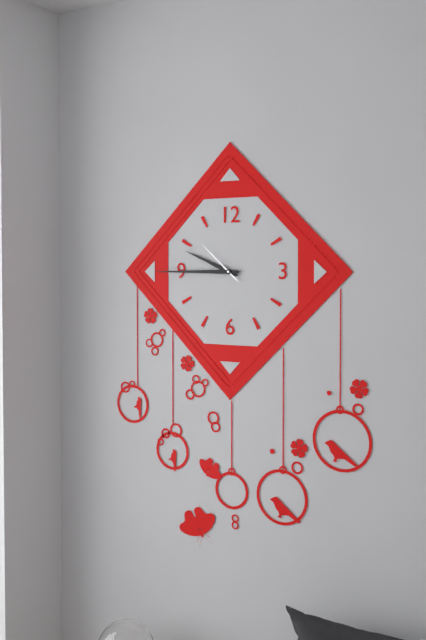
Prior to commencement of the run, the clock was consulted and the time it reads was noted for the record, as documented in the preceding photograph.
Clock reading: 9:45
